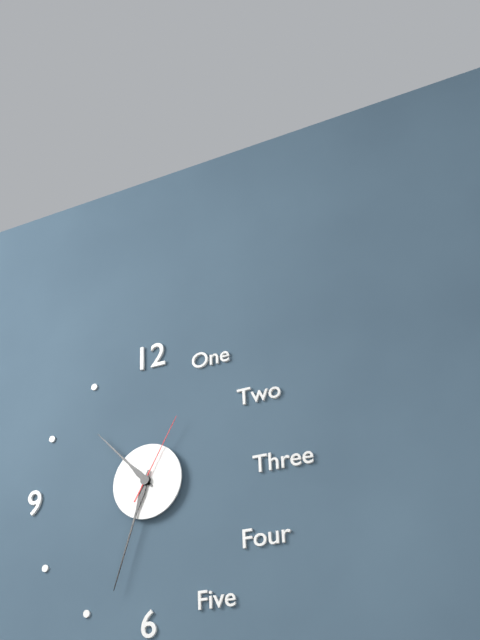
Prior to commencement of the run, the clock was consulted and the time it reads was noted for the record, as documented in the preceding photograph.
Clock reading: 10:33:05
